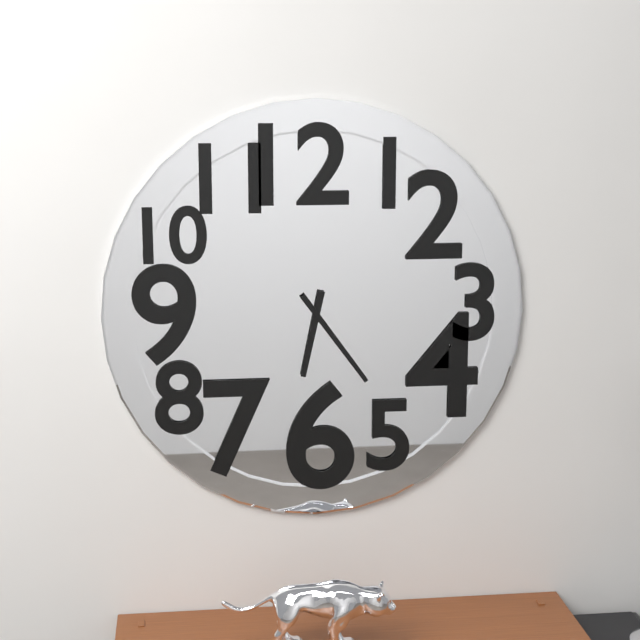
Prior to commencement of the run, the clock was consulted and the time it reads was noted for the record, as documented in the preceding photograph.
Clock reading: 6:24
